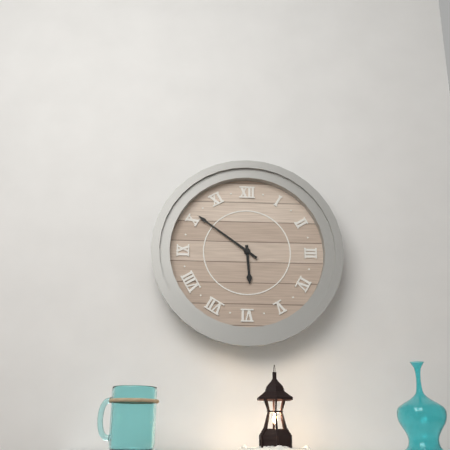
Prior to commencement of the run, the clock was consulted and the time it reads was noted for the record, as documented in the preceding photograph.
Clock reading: 5:51
